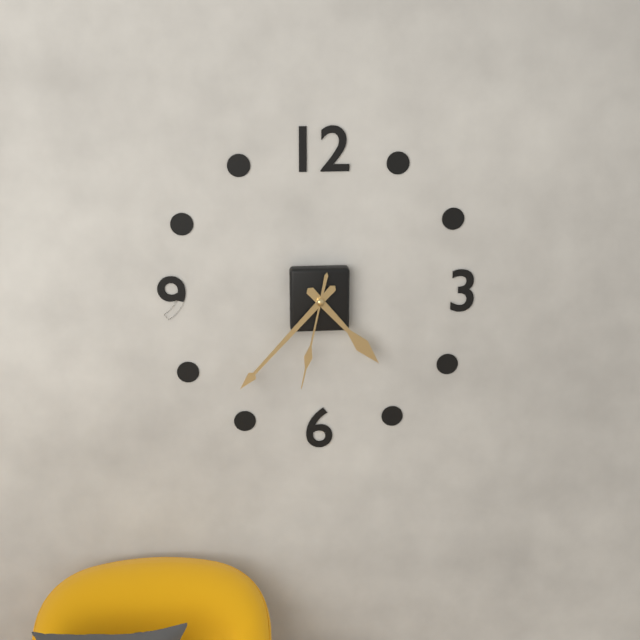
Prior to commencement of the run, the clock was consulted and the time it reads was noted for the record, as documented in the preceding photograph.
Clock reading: 4:37:32
